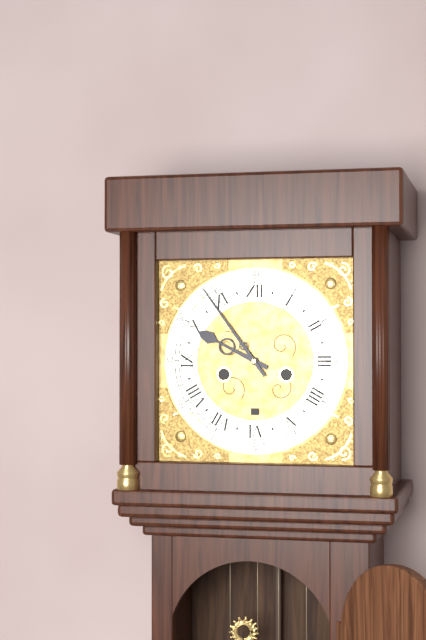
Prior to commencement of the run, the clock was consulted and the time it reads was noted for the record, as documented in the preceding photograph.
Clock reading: 9:54
